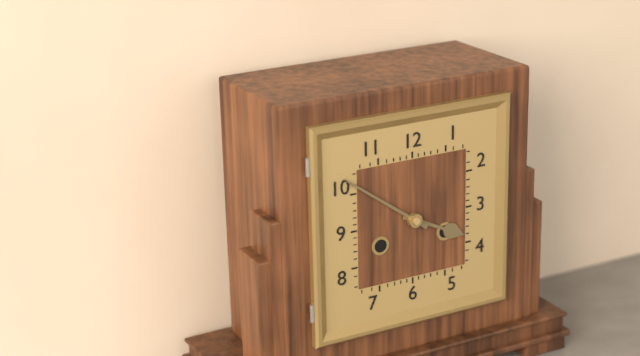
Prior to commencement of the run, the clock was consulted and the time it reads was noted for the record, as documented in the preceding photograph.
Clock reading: 3:51
